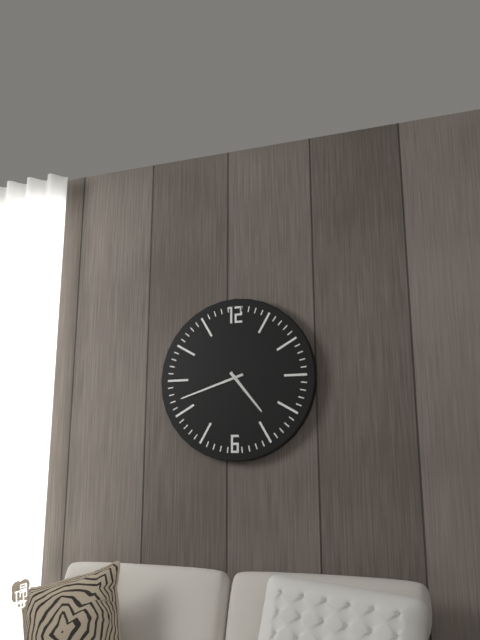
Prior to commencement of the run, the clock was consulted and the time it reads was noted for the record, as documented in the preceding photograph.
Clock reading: 4:42
